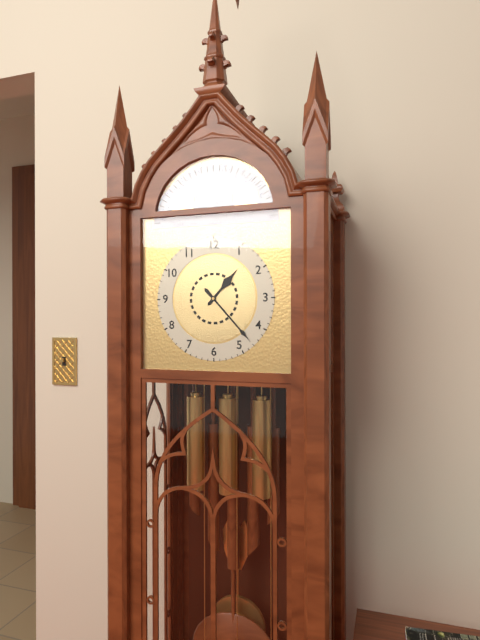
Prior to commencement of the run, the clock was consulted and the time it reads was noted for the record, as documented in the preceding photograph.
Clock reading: 1:23
